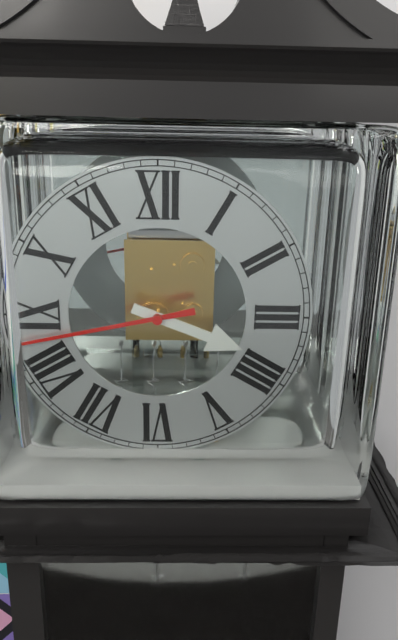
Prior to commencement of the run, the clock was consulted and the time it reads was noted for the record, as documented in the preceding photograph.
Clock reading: 3:43
